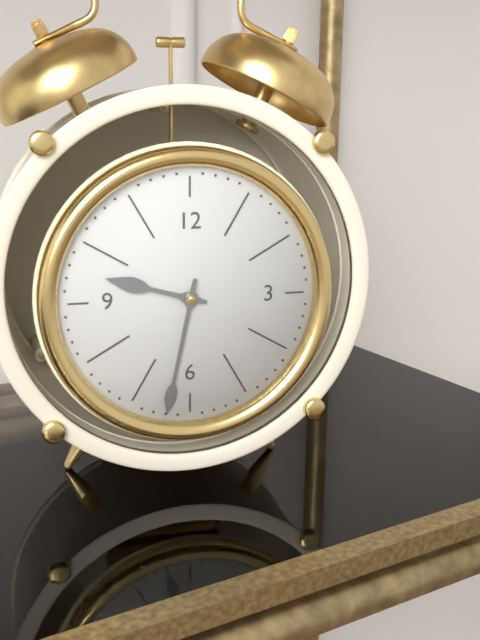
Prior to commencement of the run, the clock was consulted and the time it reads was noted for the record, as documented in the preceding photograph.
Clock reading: 9:32
